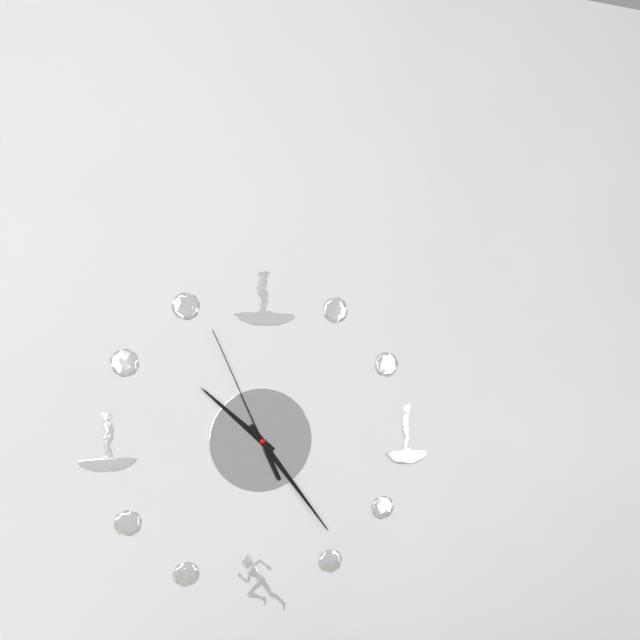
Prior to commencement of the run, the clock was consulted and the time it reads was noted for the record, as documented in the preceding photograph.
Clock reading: 10:24:56
